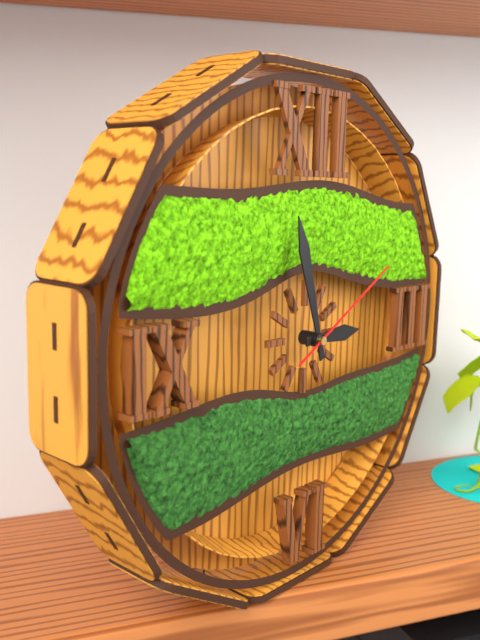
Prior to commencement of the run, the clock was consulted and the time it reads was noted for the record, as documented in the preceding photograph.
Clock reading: 2:57:10
